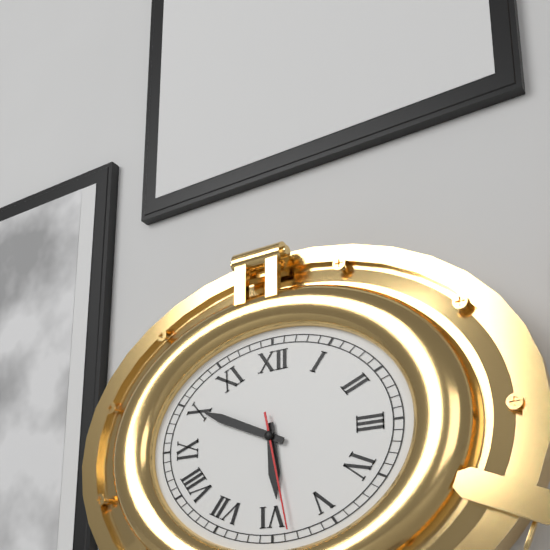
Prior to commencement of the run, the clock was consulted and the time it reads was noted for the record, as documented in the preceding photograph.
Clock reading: 5:49:28
